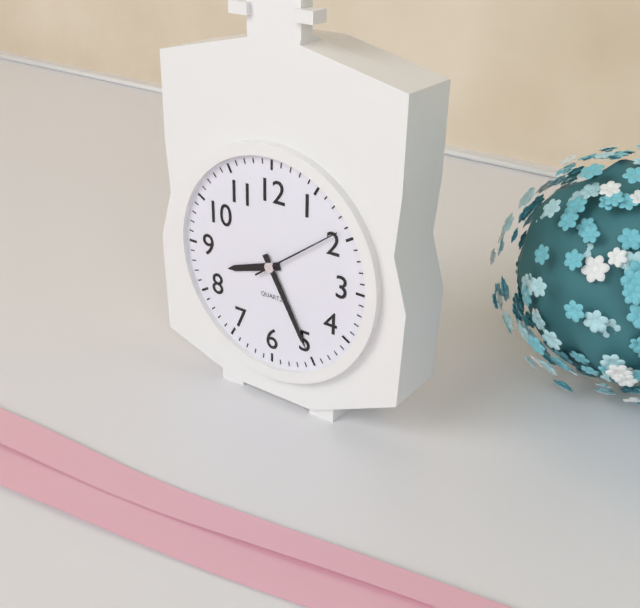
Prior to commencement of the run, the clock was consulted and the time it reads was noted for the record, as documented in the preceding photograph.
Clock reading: 8:25:09
